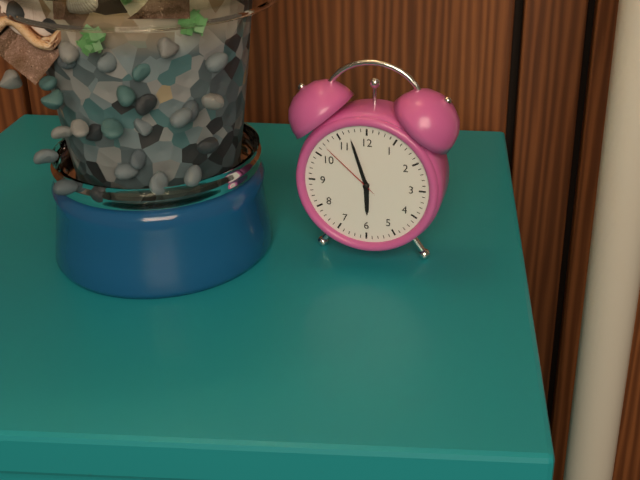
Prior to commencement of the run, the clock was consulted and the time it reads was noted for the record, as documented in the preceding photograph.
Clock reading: 5:57:52
